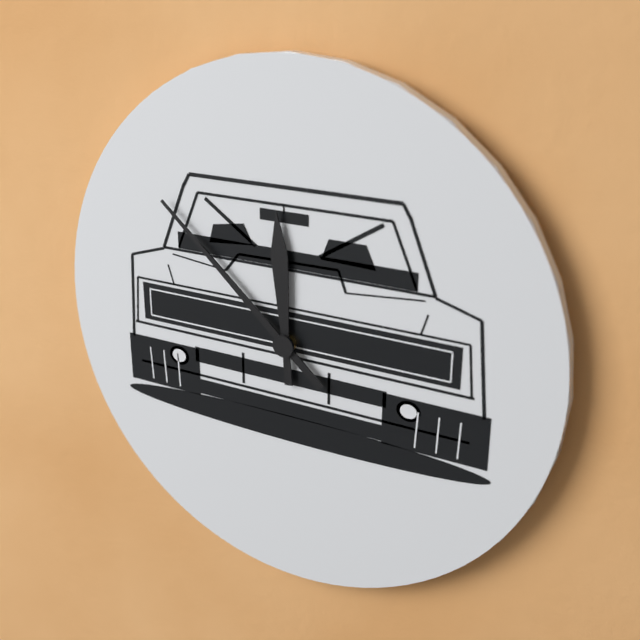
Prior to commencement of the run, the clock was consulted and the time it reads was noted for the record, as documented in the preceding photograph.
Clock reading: 11:52
